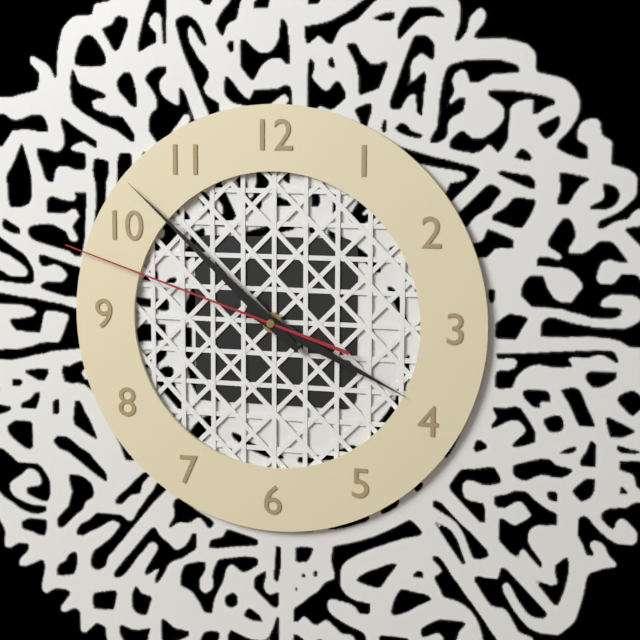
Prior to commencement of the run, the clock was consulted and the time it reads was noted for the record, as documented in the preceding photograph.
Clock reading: 3:52:48
